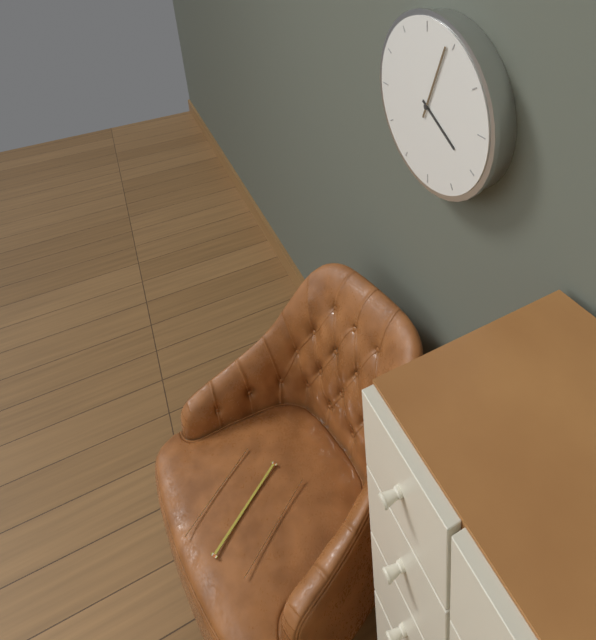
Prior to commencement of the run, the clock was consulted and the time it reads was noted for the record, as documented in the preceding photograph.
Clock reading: 4:04
